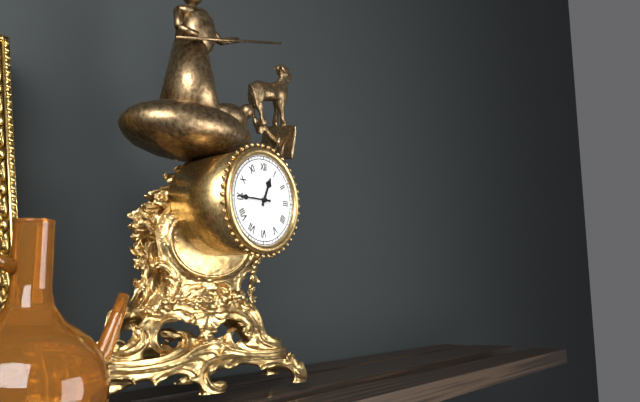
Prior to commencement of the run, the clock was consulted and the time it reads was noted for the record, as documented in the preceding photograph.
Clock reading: 12:45
